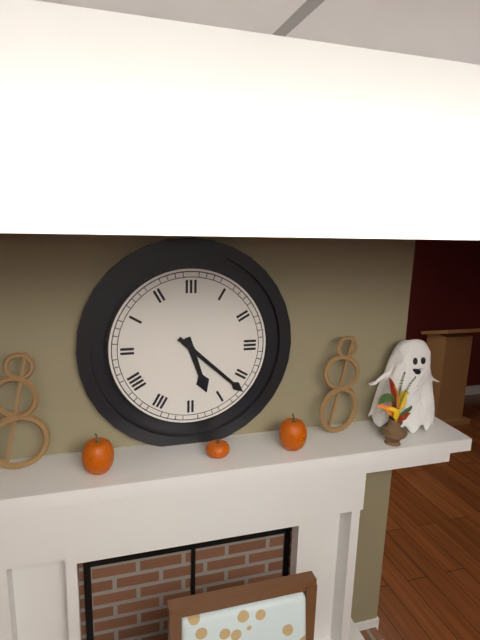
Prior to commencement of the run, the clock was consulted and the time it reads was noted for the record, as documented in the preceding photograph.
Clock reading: 5:22
